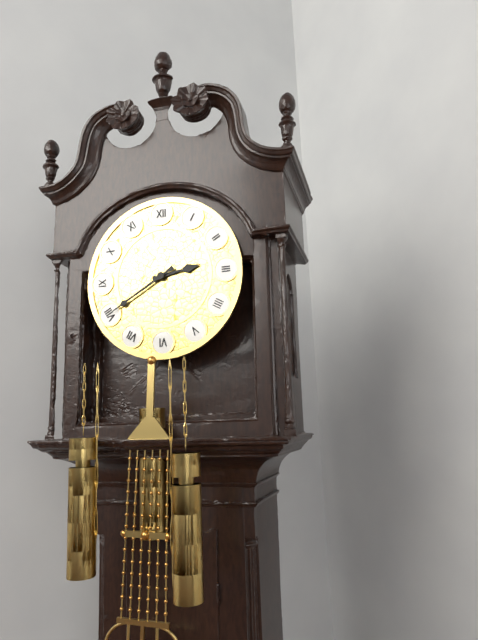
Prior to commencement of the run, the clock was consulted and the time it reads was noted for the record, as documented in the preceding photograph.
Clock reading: 2:40
